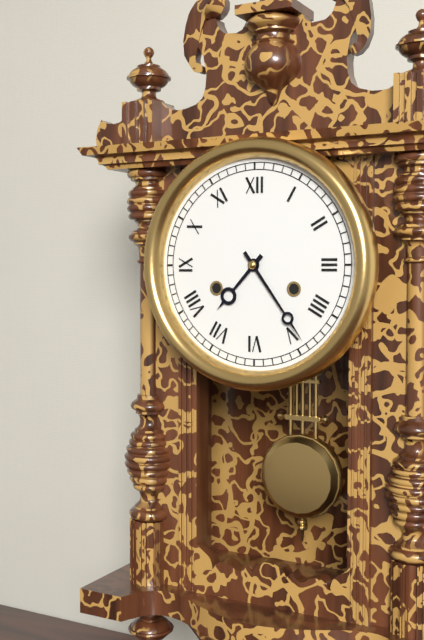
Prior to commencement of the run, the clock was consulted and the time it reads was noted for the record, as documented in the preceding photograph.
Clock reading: 7:24
